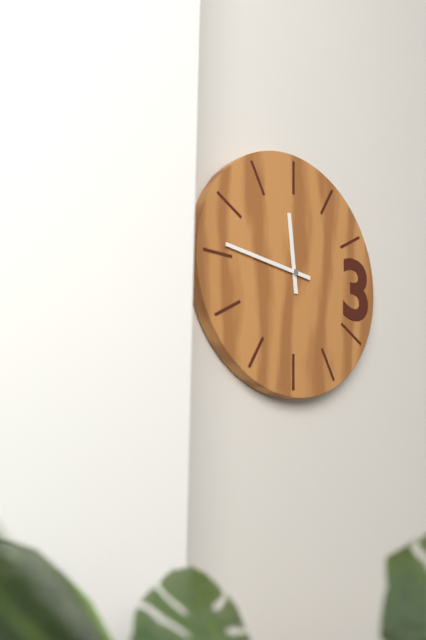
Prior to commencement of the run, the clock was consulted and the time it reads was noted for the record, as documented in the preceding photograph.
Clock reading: 11:46
